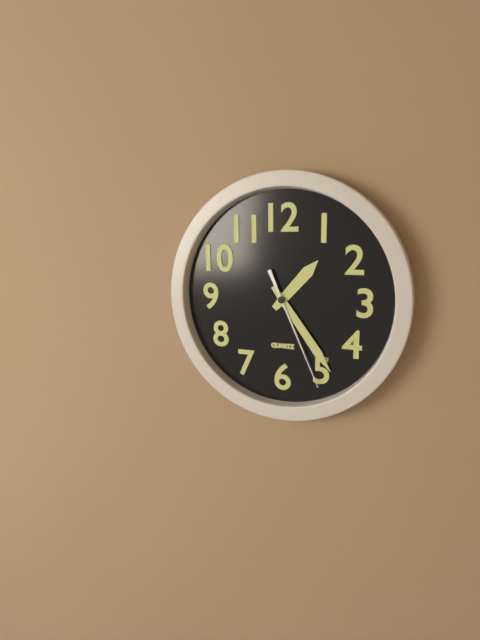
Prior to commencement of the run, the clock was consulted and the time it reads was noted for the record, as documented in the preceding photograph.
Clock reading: 1:24:26
